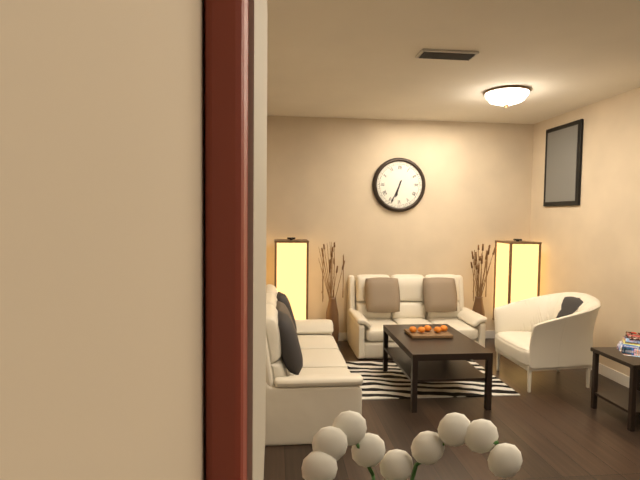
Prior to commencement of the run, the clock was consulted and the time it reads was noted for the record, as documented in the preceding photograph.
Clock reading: 6:34
